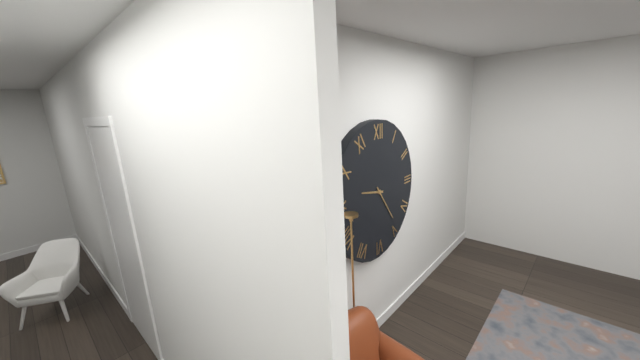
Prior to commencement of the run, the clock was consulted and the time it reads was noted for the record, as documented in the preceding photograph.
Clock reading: 9:24
